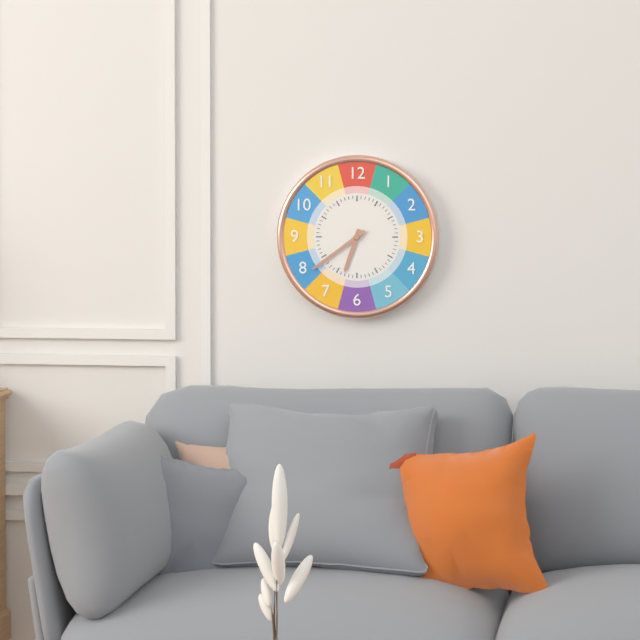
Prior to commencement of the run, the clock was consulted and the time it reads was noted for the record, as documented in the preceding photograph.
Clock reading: 6:39
